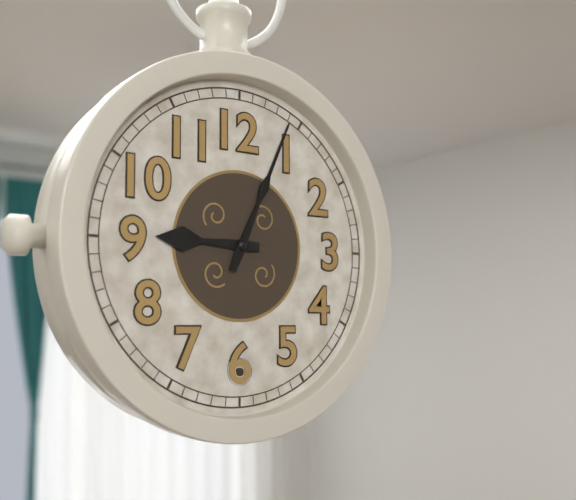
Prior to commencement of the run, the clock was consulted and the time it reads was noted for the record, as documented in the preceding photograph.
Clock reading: 9:04
